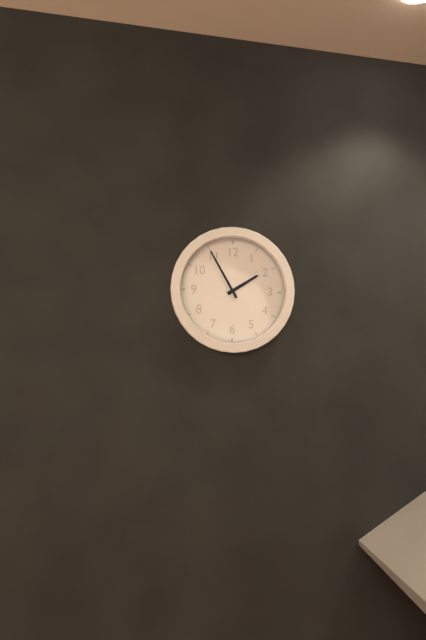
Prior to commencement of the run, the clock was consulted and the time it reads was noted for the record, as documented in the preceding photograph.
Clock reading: 1:55
